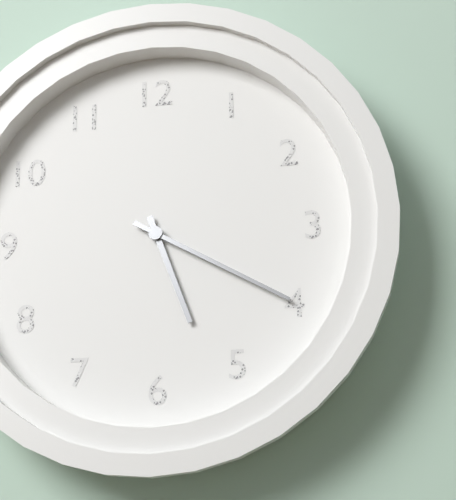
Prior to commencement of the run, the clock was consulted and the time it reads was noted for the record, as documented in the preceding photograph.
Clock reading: 5:20
